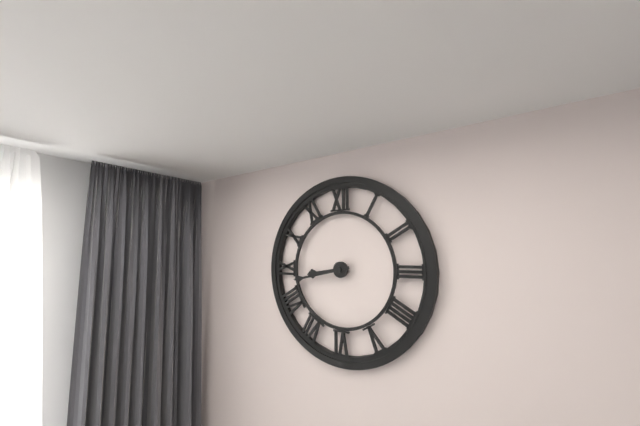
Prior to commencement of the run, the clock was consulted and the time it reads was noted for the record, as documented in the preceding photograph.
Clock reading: 8:43
